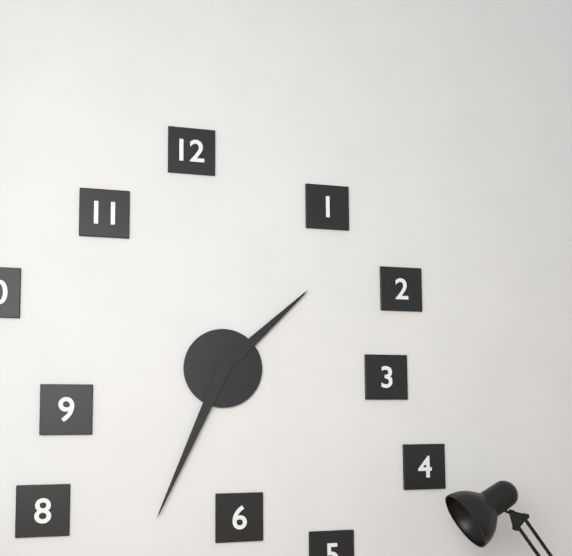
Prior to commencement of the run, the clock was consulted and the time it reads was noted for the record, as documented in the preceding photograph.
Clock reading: 1:34
